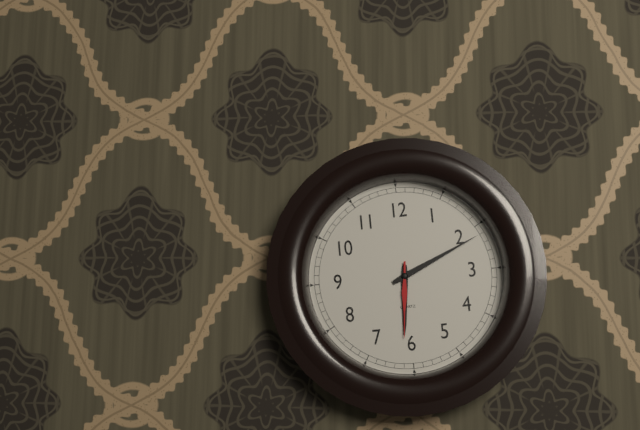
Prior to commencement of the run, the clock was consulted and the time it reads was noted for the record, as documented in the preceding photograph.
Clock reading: 6:11:31
